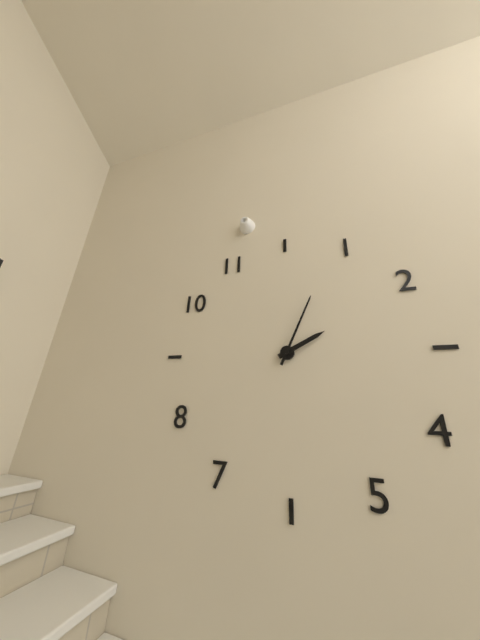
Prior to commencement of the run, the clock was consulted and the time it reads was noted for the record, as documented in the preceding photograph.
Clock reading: 2:04
